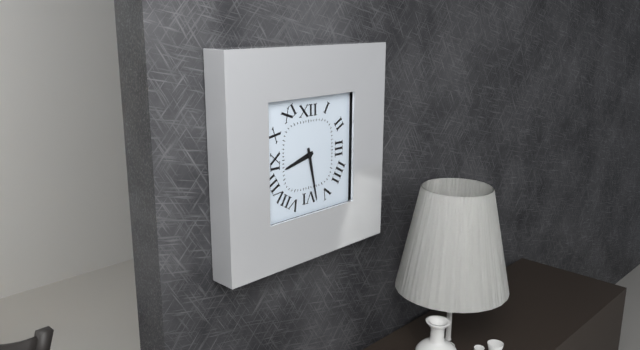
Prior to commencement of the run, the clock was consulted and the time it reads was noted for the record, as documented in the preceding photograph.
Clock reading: 8:28
